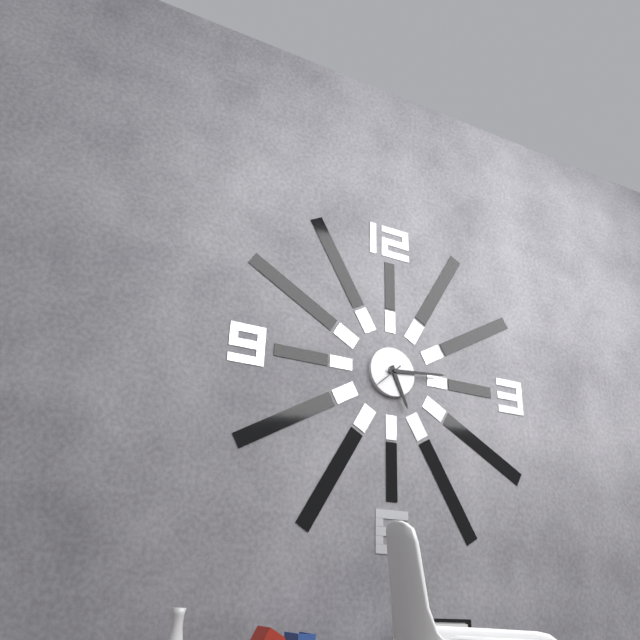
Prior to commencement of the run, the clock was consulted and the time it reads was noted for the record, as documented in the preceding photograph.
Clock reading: 5:14
